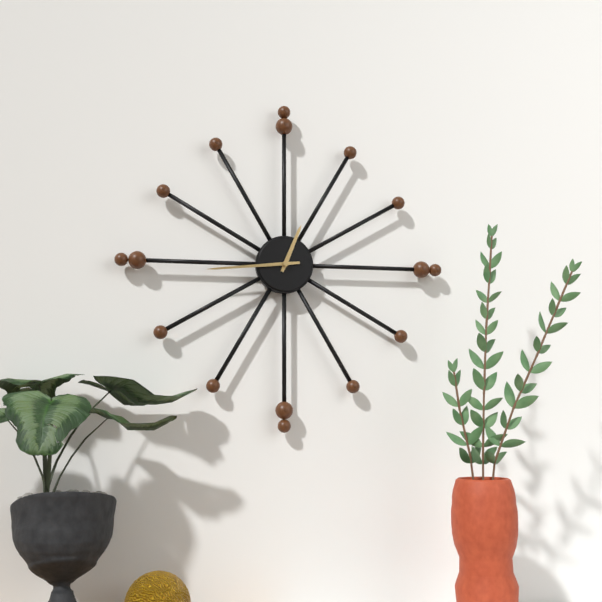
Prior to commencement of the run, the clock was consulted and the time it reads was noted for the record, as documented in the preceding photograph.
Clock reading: 12:44
